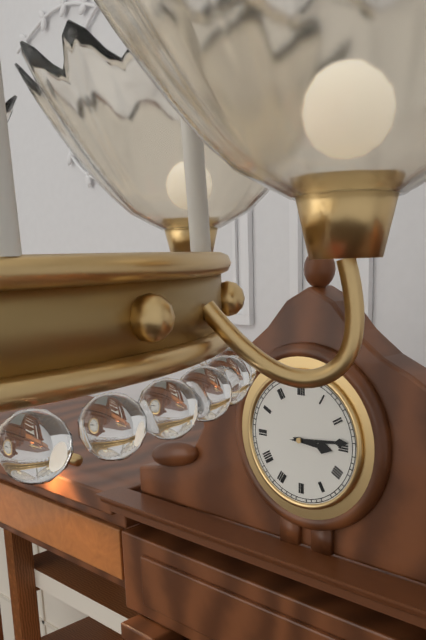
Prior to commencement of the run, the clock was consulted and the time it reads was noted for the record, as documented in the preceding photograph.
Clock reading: 3:14
